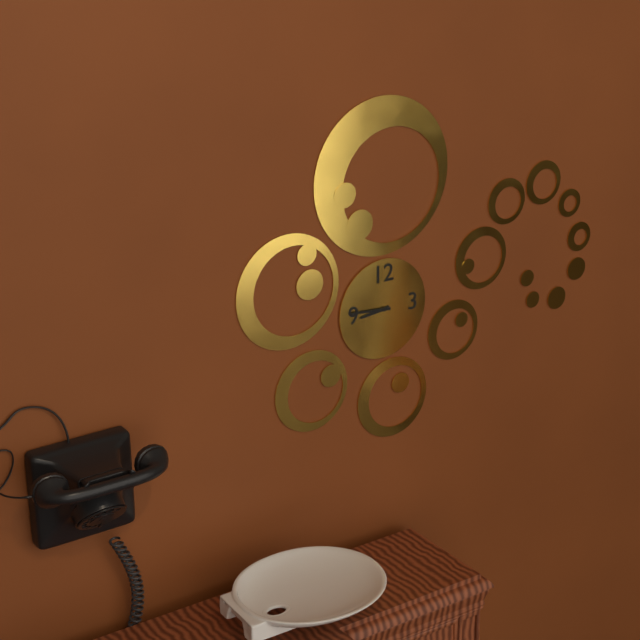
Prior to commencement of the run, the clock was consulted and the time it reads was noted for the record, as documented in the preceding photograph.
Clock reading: 8:46
